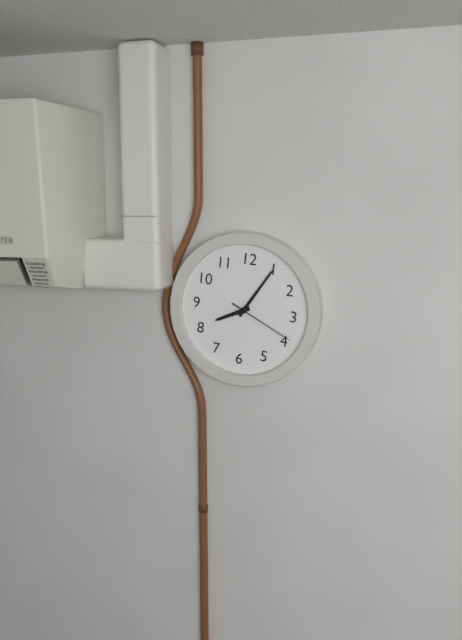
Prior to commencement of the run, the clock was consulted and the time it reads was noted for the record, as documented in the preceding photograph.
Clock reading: 8:05:19
